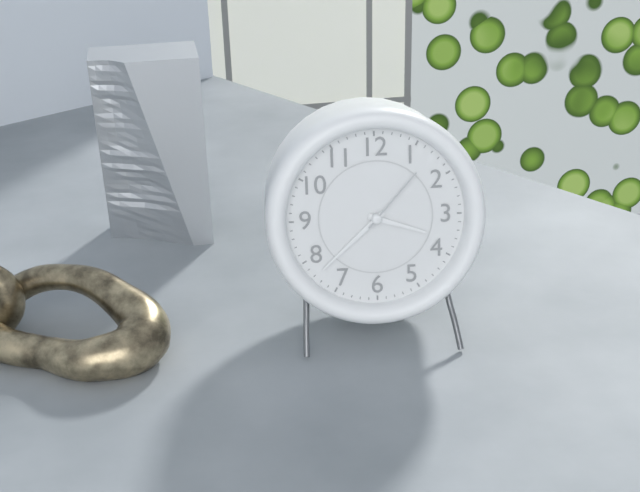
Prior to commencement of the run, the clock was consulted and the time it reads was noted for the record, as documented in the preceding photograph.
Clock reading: 3:38:07
